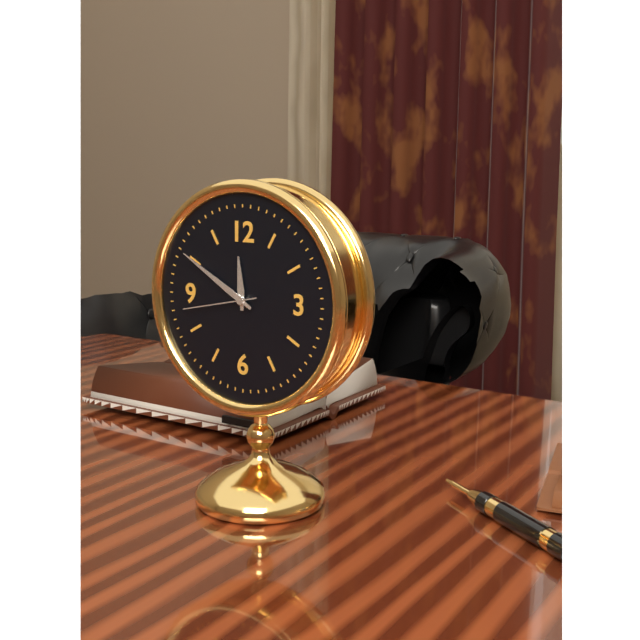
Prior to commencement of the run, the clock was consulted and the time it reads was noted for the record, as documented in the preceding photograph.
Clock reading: 11:50:43
